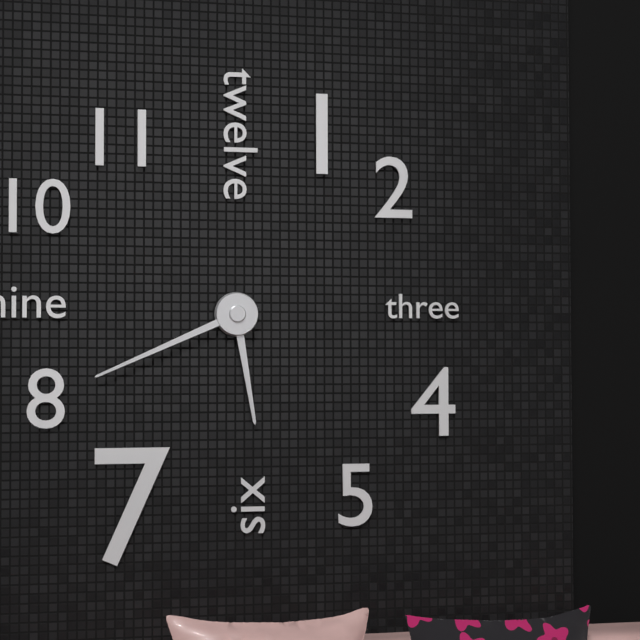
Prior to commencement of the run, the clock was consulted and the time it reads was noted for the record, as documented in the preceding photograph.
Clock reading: 5:41
